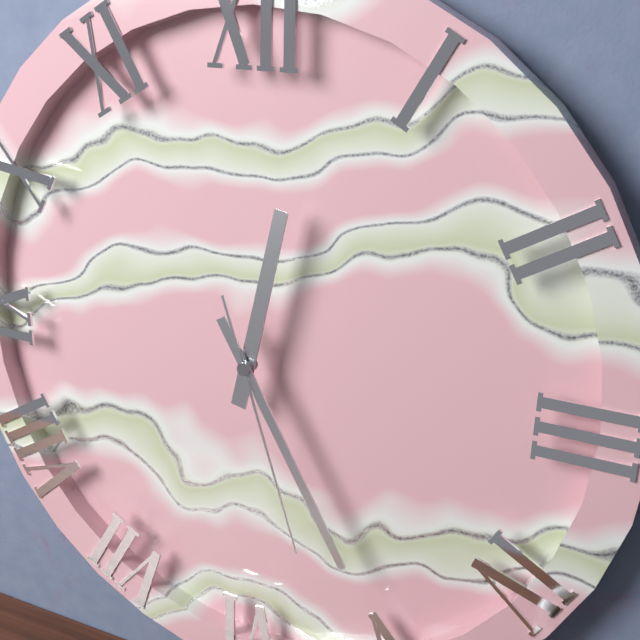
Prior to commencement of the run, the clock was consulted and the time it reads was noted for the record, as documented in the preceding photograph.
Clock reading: 12:25:27
